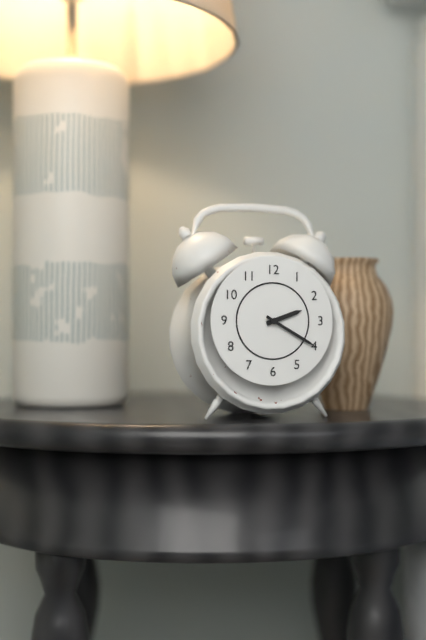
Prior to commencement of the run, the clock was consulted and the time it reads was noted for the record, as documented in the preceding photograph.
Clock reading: 2:20
